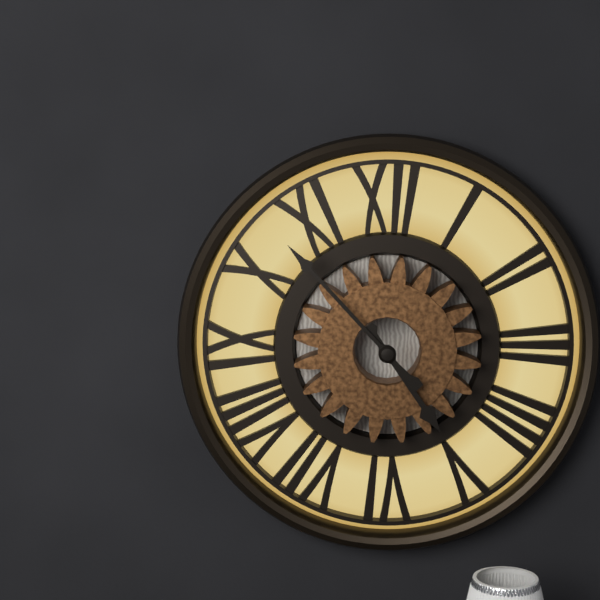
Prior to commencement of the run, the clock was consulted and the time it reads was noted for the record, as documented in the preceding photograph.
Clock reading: 4:53
